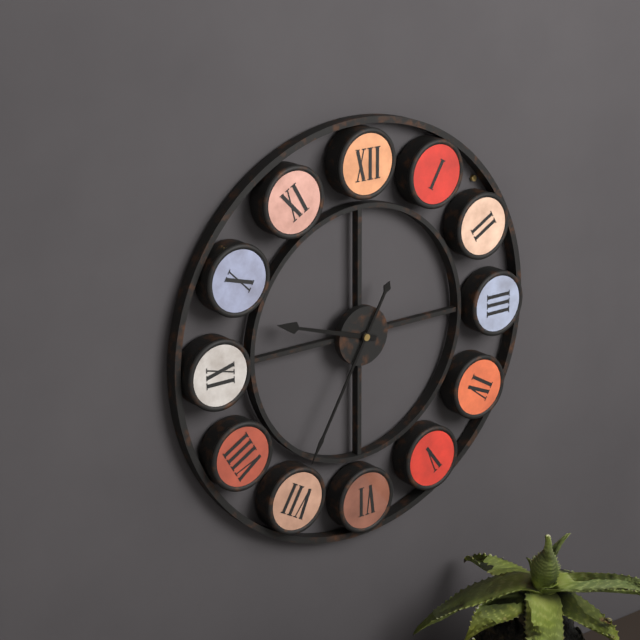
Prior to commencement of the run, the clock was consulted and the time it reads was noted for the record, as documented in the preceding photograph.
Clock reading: 9:35
